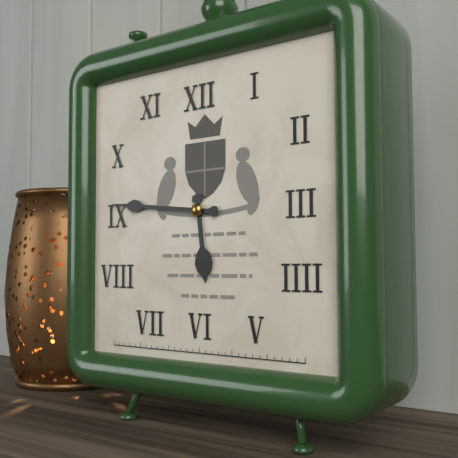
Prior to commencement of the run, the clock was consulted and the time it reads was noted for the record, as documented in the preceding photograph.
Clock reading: 5:46
